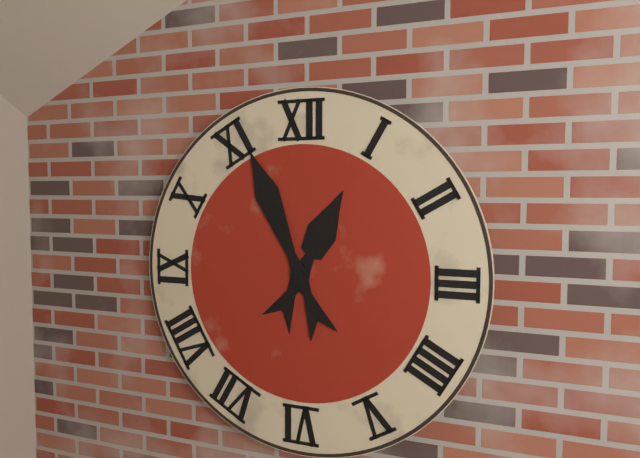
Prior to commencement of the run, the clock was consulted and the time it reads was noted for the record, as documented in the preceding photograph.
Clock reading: 12:56
